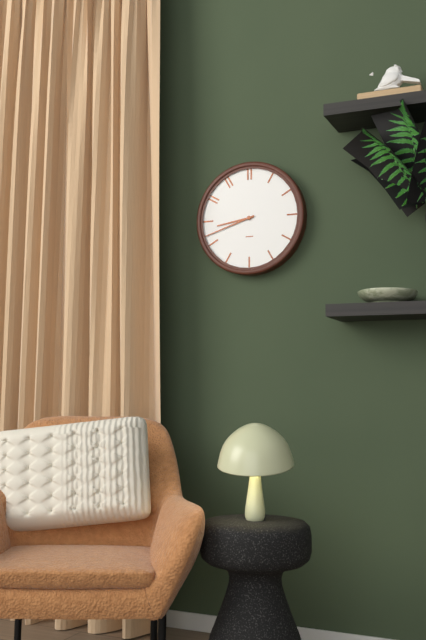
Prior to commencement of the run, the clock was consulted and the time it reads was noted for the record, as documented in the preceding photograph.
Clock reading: 8:42
